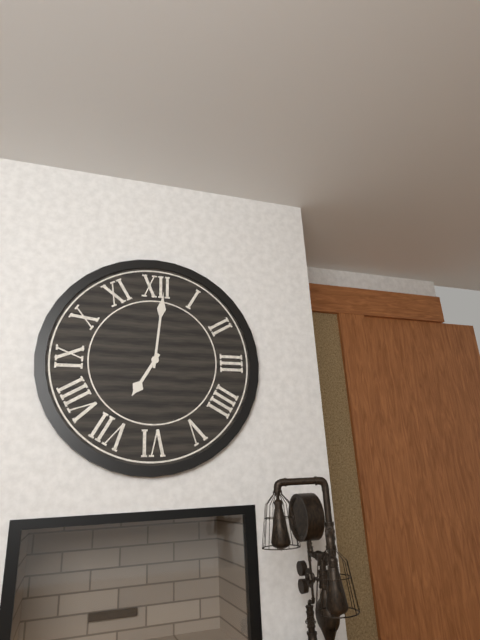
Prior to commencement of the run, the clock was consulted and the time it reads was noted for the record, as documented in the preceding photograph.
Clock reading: 7:01
